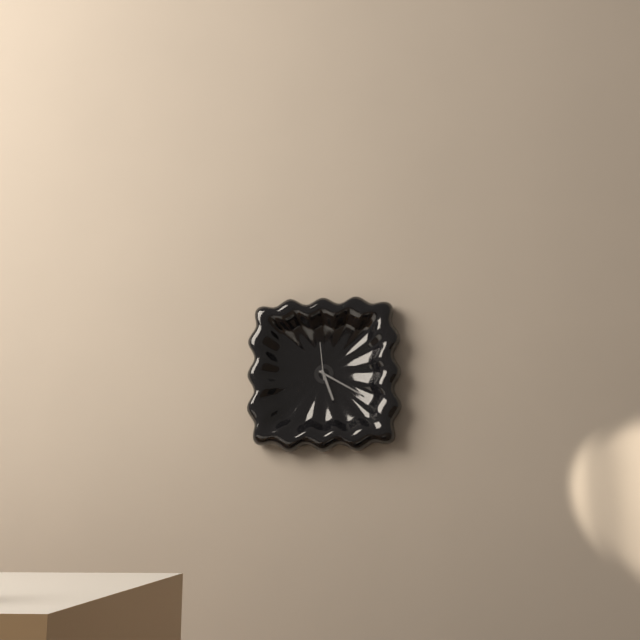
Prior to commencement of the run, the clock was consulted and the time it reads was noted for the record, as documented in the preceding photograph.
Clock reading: 5:20
